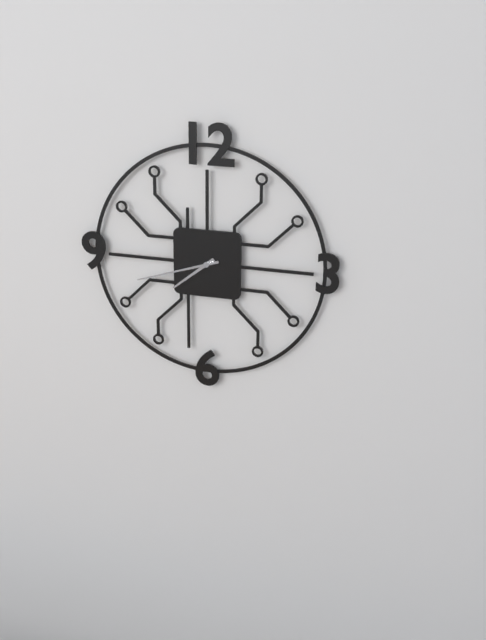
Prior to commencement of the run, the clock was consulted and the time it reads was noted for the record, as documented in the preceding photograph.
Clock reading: 7:42
